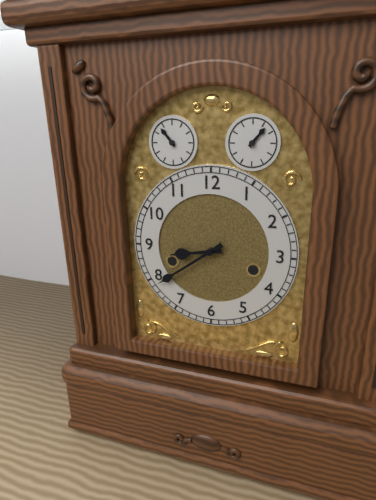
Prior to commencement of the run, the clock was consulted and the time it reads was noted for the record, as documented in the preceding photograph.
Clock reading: 8:39
